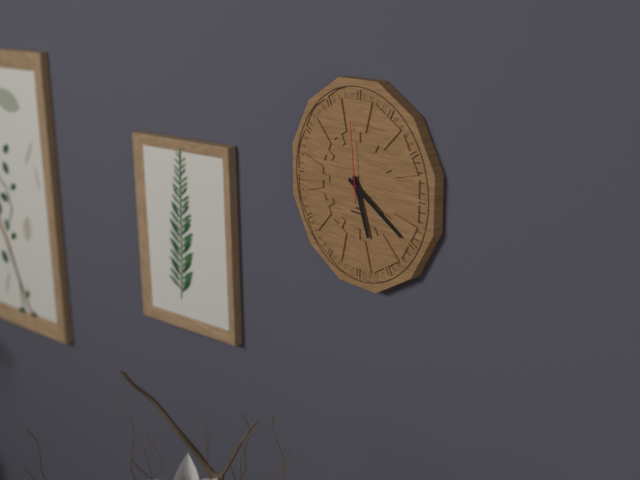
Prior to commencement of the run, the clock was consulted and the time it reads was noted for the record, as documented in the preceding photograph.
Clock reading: 5:20:59
